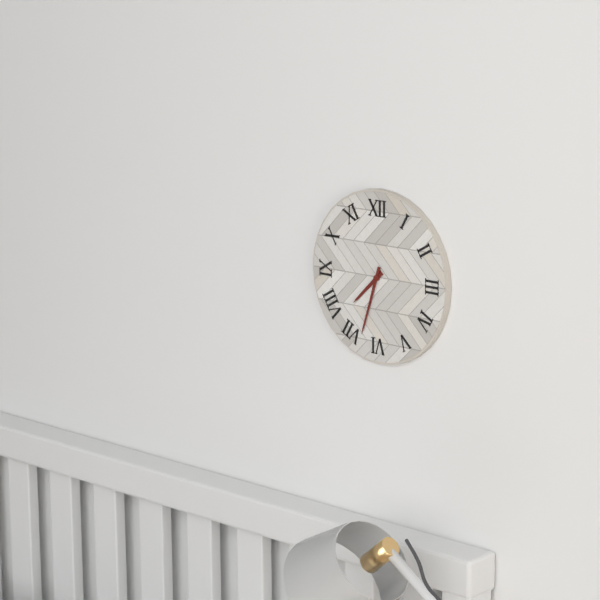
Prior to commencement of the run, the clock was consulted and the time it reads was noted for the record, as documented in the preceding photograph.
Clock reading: 7:33
